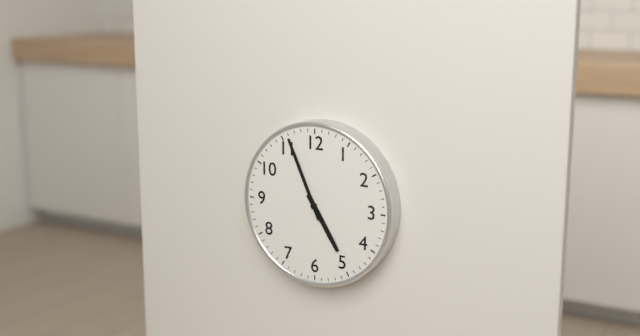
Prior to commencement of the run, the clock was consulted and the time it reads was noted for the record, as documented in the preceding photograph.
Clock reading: 4:56
